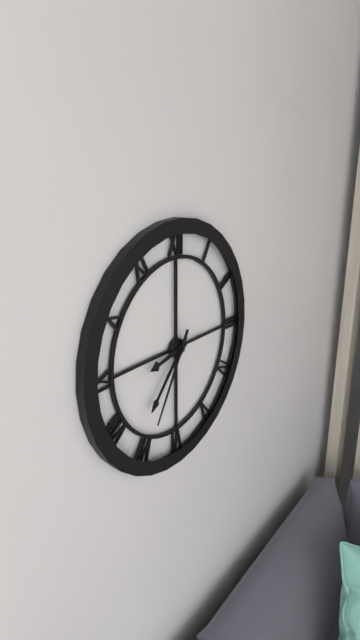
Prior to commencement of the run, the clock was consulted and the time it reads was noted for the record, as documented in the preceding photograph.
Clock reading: 8:37:35
